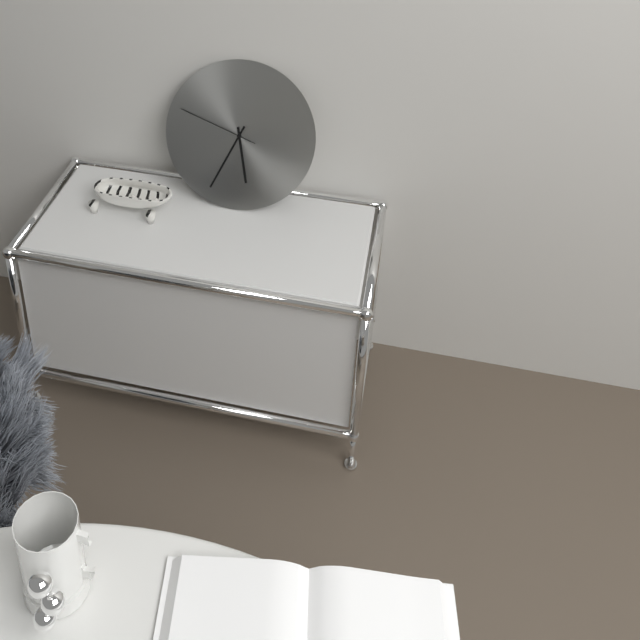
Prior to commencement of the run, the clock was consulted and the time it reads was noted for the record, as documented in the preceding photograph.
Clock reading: 5:34:48
